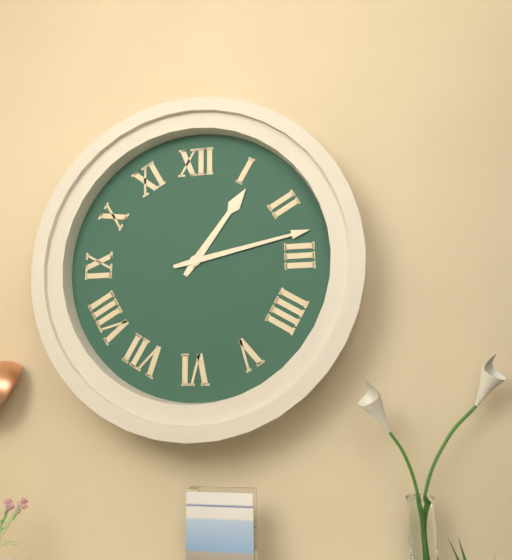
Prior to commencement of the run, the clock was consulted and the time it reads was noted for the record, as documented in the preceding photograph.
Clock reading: 1:13
